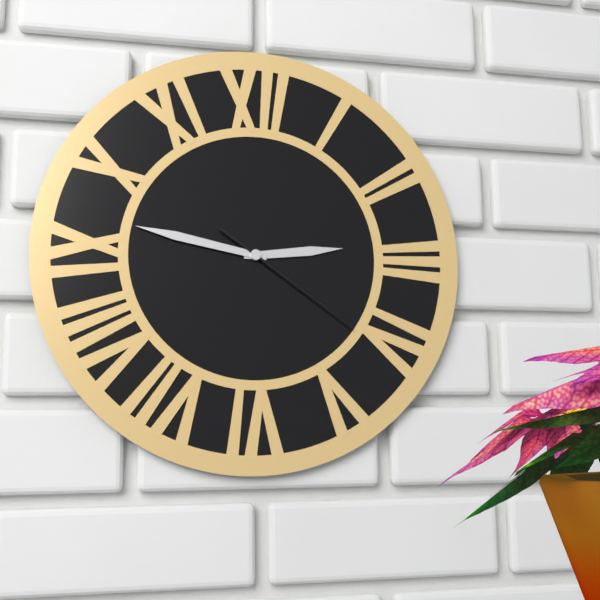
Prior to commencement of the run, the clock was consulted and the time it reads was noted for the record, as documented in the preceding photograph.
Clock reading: 2:47:21
